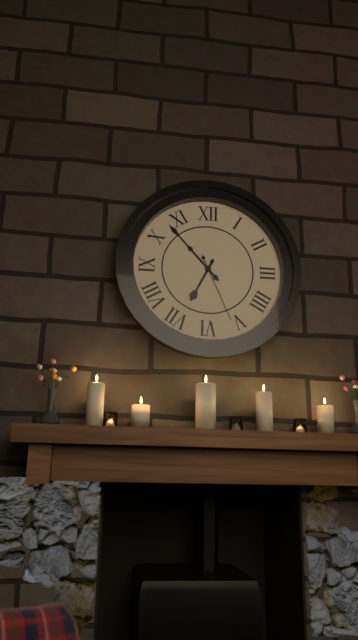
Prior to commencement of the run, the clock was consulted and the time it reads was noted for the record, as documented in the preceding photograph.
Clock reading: 6:53:26
